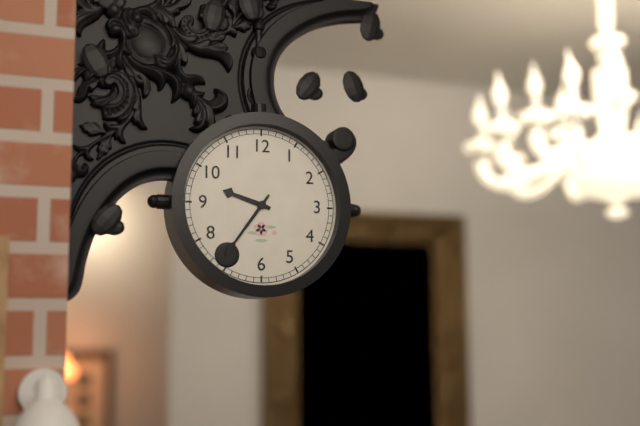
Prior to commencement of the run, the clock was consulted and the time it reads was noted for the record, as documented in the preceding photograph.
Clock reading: 9:36
